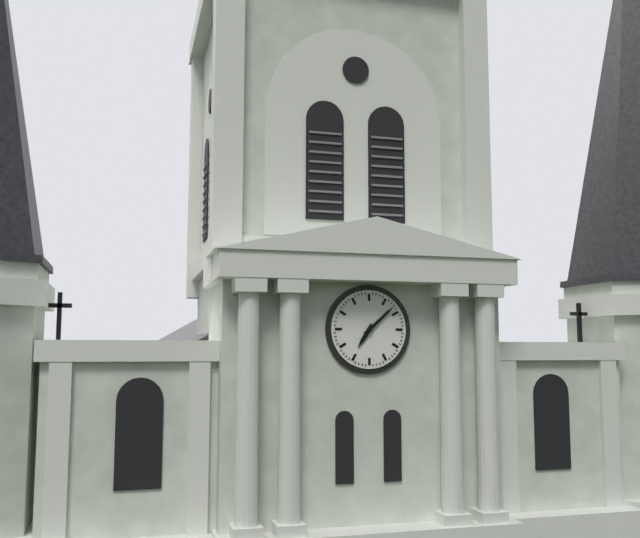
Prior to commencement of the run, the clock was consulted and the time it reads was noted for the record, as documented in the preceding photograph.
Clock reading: 7:08
